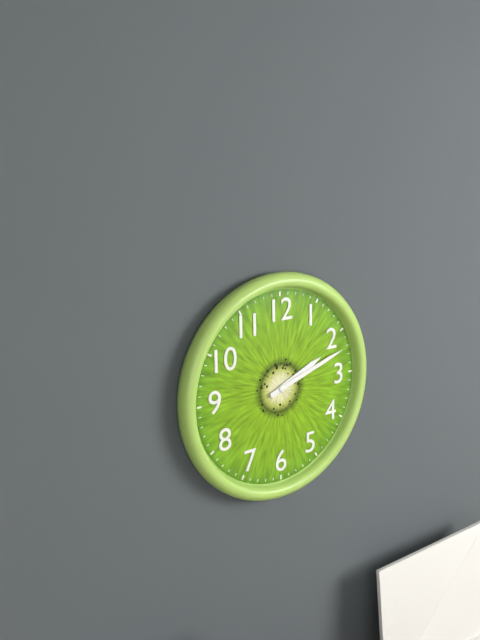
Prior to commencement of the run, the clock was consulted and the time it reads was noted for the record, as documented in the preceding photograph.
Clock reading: 2:12
